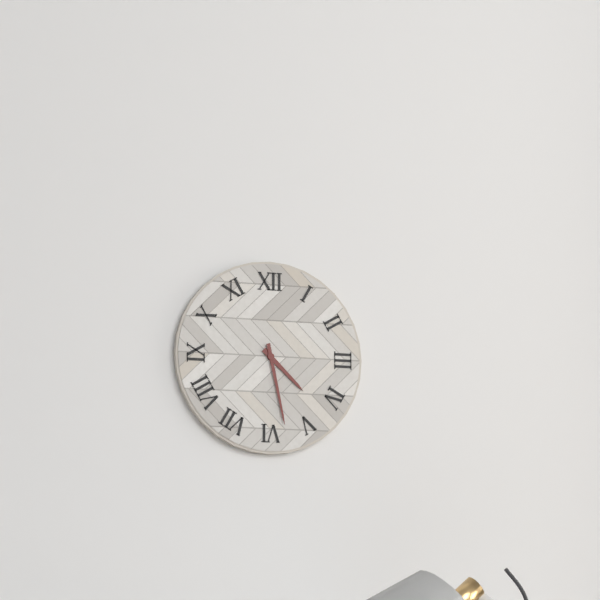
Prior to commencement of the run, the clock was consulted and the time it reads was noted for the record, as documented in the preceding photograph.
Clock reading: 4:28
